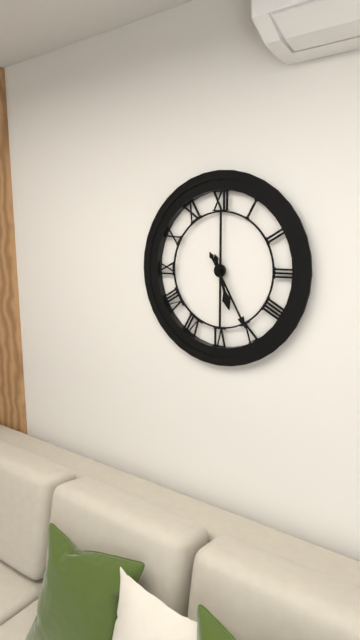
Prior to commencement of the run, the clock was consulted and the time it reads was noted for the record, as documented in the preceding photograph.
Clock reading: 5:25
